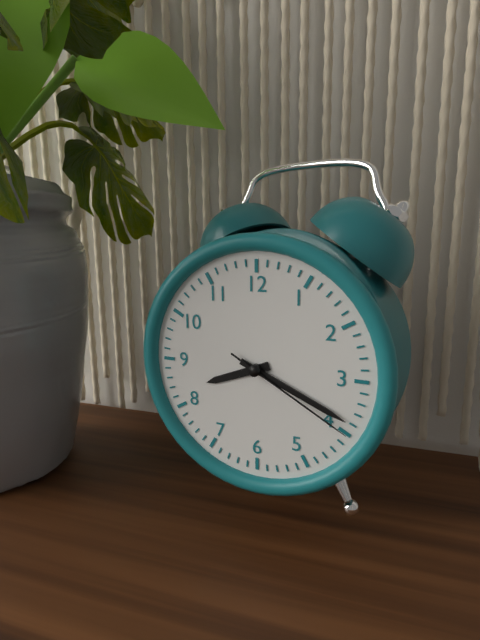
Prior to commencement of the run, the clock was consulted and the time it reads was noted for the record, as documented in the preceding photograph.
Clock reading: 8:19:20
